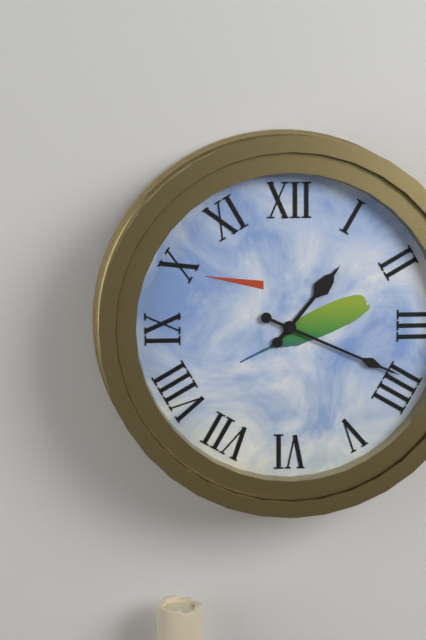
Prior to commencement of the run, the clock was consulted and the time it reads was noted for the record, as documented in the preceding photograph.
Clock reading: 1:19
